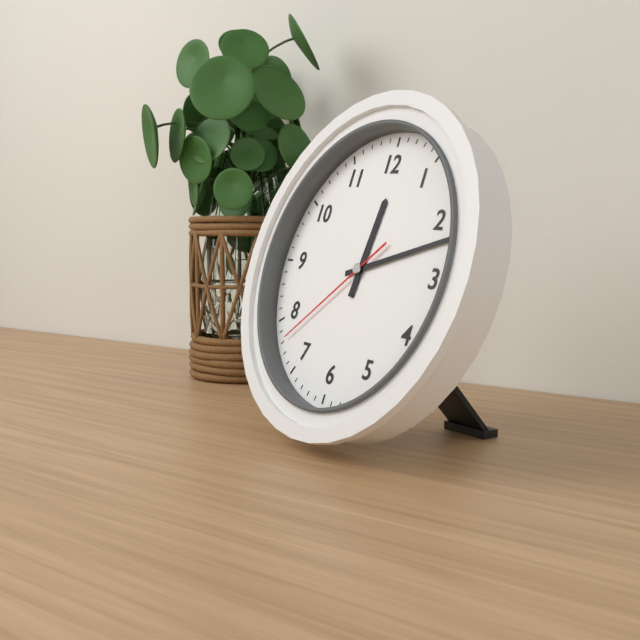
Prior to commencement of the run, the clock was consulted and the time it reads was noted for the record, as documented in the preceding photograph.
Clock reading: 12:12:38
